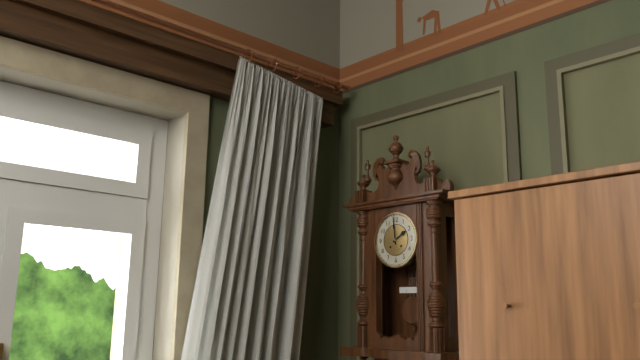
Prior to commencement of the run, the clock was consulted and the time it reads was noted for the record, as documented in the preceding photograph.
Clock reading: 1:59
